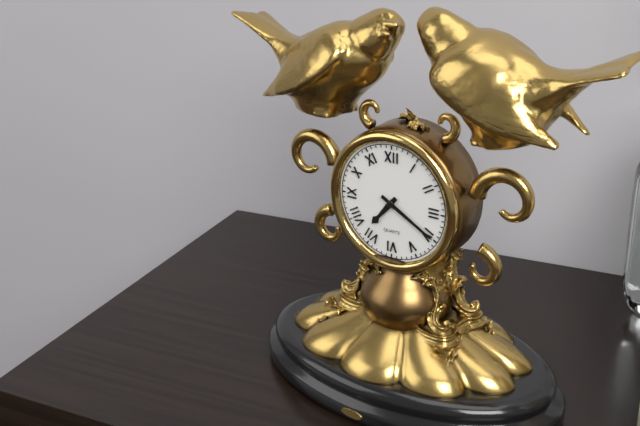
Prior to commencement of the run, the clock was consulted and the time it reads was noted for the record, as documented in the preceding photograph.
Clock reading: 7:20
